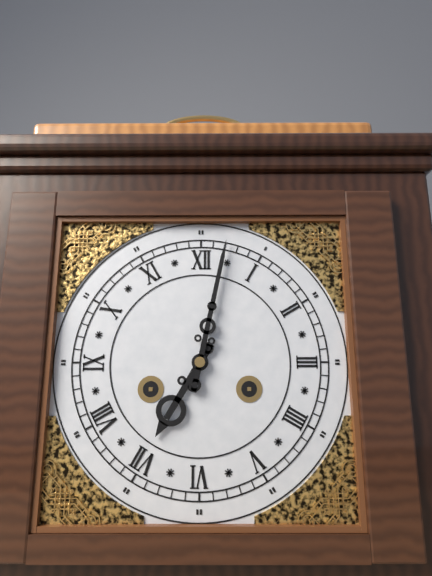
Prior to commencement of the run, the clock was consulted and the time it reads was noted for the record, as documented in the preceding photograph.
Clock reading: 7:02
